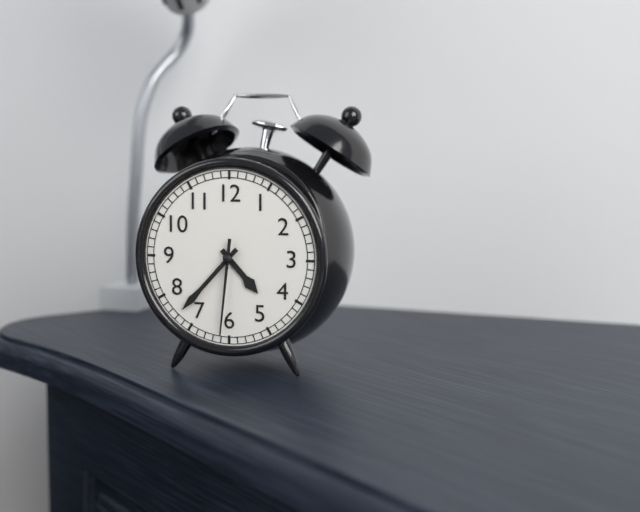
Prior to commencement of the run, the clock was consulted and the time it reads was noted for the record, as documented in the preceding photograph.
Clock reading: 4:37:31
